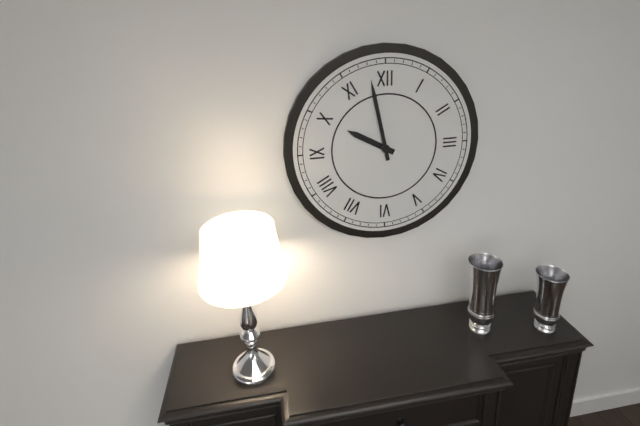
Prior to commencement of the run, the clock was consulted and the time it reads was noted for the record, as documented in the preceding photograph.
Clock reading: 9:58
